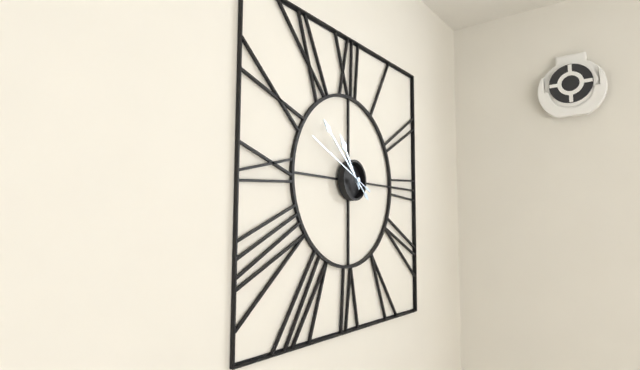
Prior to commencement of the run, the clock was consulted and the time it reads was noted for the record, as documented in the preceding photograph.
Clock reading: 10:52:49
